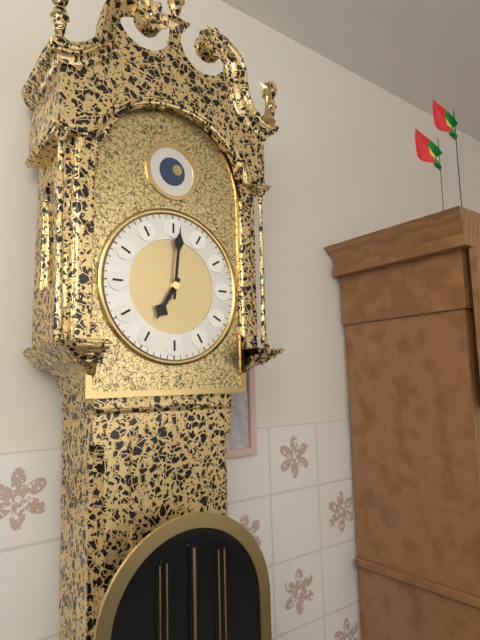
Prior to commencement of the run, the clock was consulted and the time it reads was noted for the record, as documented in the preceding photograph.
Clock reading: 7:01
